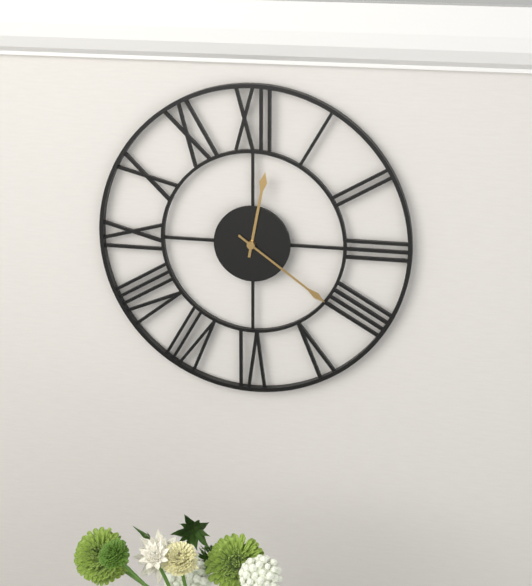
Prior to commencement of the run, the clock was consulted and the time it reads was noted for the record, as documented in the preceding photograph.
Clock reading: 12:21
